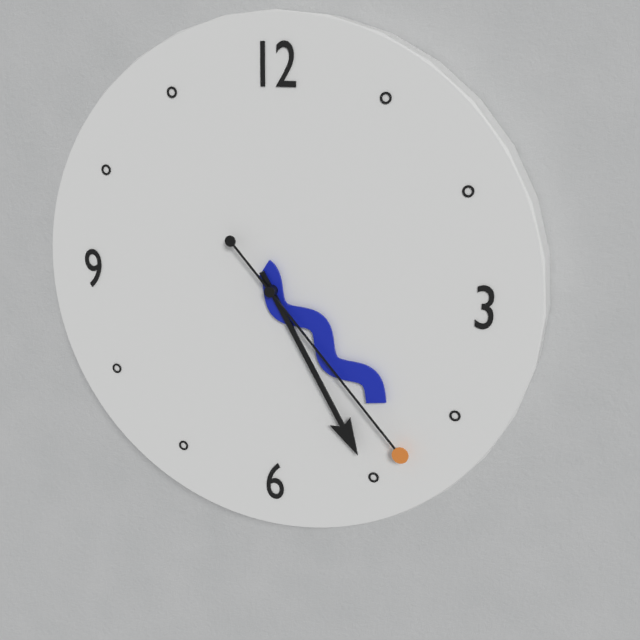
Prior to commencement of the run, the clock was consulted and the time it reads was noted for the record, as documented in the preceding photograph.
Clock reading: 4:25:23
